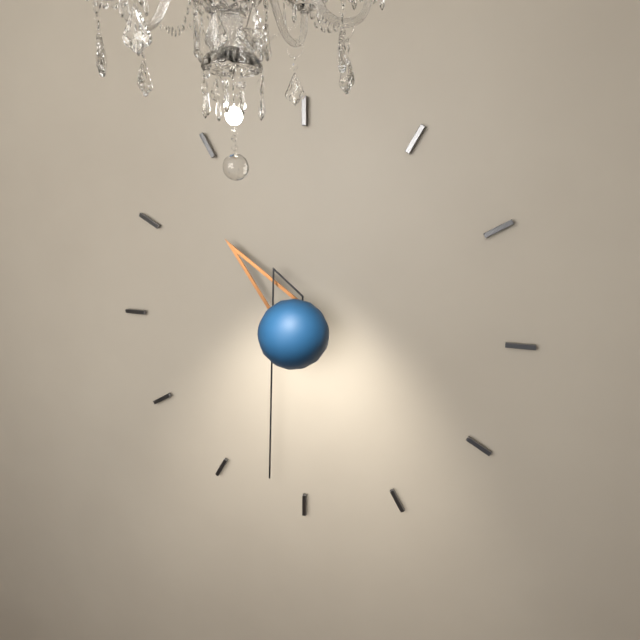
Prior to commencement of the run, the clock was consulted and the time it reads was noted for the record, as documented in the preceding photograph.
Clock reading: 10:32
